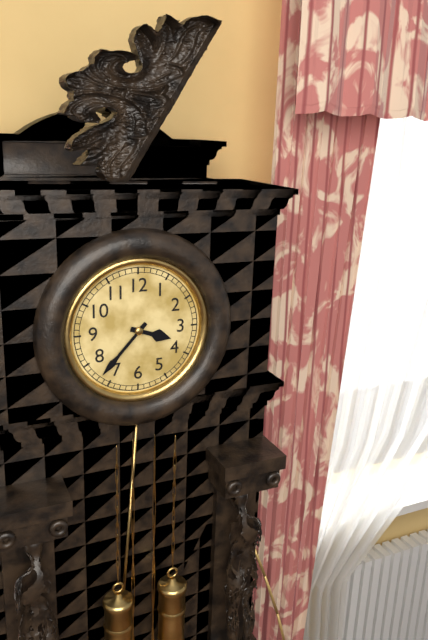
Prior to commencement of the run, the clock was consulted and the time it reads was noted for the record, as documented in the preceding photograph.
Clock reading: 3:37
